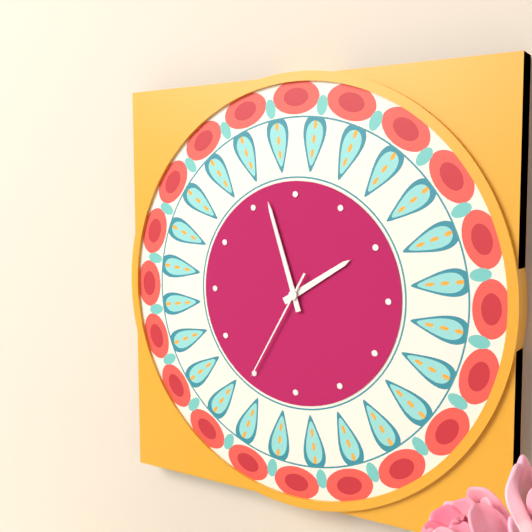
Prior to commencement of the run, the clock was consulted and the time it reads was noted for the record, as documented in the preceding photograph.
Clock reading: 1:57:35
